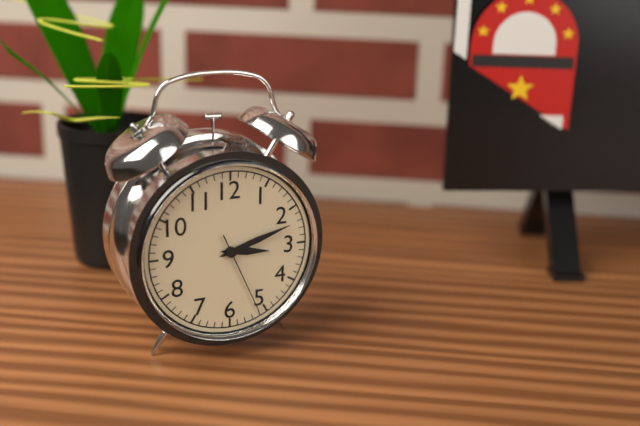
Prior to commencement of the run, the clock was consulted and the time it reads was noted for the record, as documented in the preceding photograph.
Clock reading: 3:12:26
